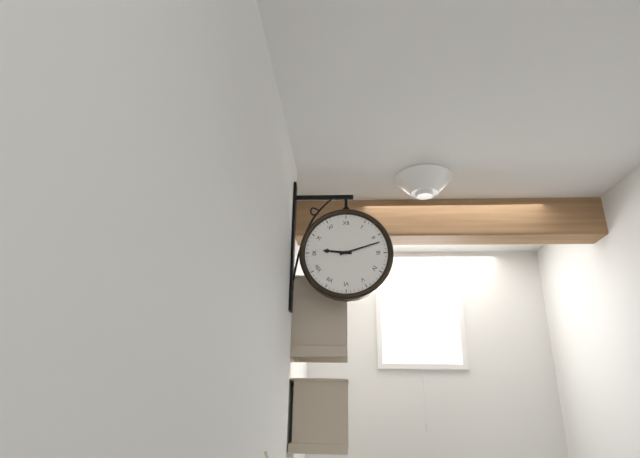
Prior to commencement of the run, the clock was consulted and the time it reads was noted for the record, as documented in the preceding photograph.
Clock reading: 9:12
